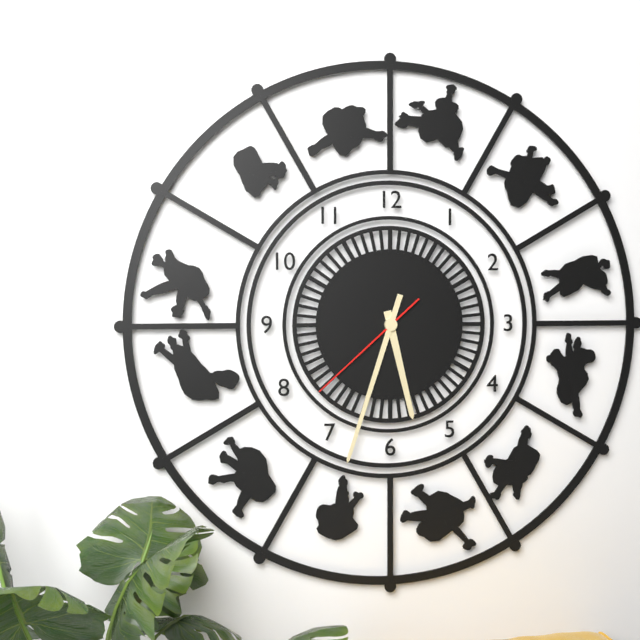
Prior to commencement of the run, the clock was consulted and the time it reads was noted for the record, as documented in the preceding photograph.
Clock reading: 5:33:38
